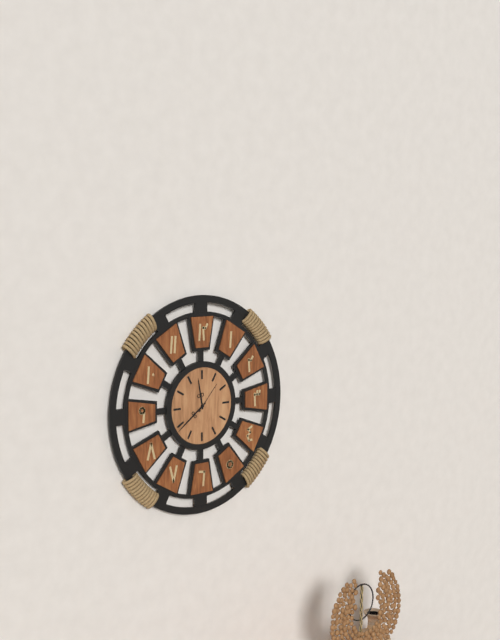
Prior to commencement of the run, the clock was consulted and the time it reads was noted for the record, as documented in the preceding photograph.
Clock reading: 11:39
